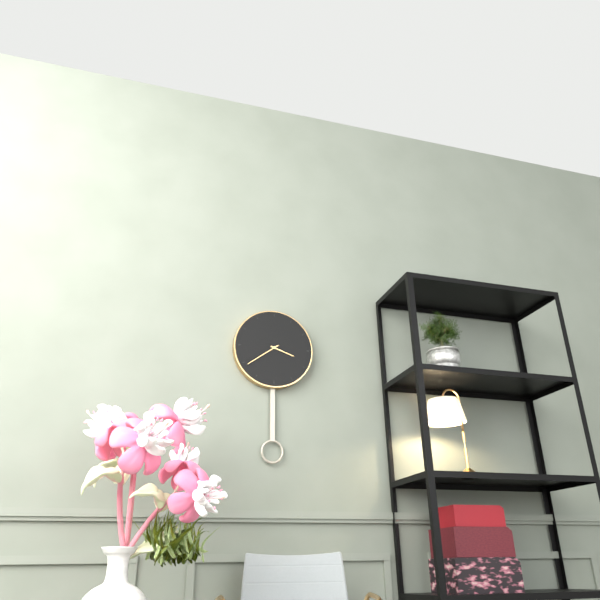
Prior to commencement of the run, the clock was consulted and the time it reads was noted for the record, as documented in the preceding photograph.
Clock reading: 3:39
